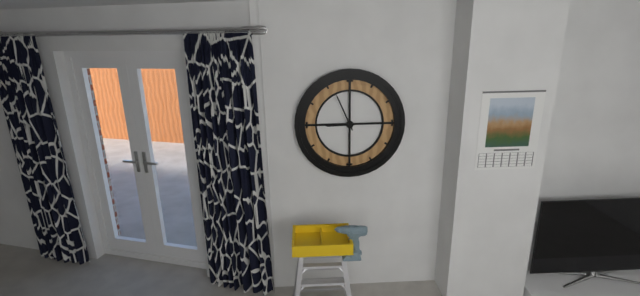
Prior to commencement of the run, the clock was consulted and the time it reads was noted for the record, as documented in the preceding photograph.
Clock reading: 8:56
